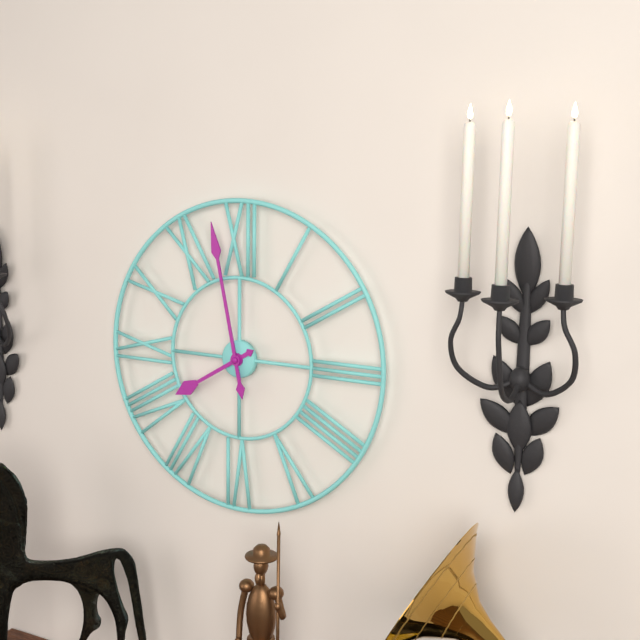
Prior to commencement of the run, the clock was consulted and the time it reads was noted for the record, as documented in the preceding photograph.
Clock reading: 7:58
